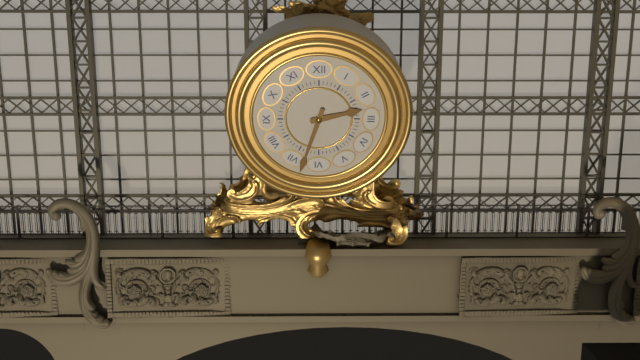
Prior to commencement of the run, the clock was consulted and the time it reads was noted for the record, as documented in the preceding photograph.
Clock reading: 2:33
